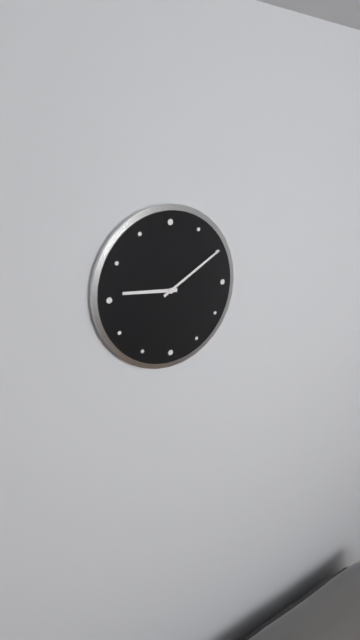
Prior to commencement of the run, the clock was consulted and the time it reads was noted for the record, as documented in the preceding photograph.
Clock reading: 9:10
